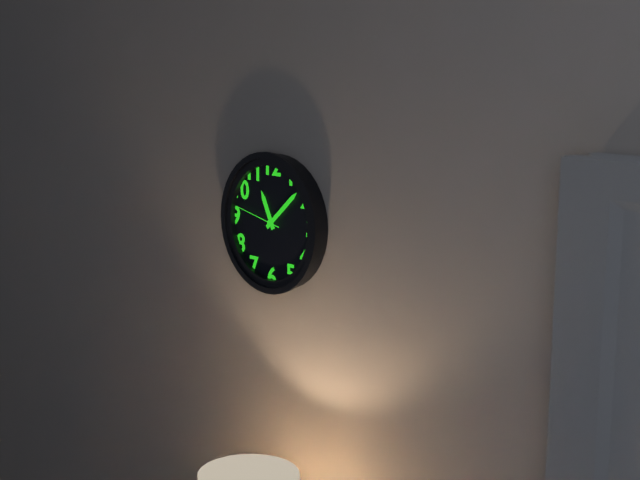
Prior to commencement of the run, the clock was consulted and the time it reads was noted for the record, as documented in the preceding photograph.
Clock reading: 11:08
